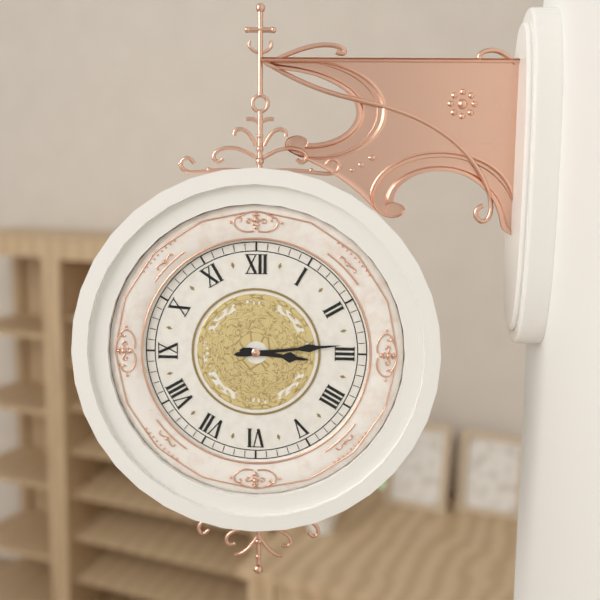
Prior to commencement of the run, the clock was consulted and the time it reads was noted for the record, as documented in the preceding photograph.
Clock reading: 3:14
